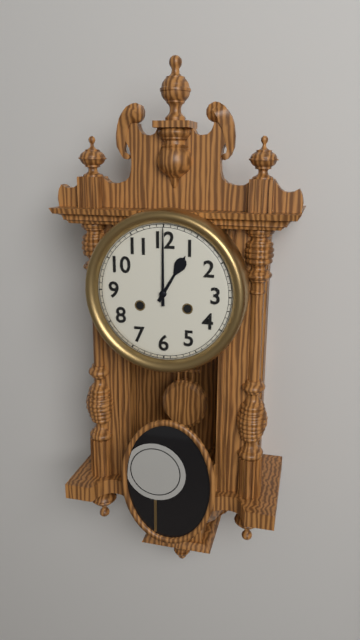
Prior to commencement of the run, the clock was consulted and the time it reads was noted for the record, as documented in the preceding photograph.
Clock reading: 1:00
